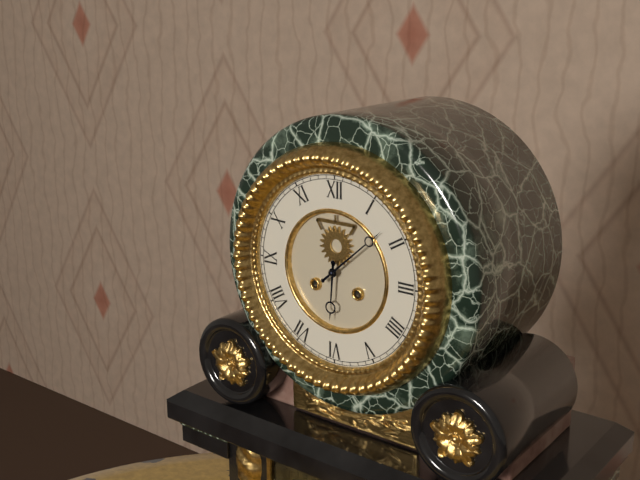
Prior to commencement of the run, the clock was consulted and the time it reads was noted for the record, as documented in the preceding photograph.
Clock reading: 6:08
